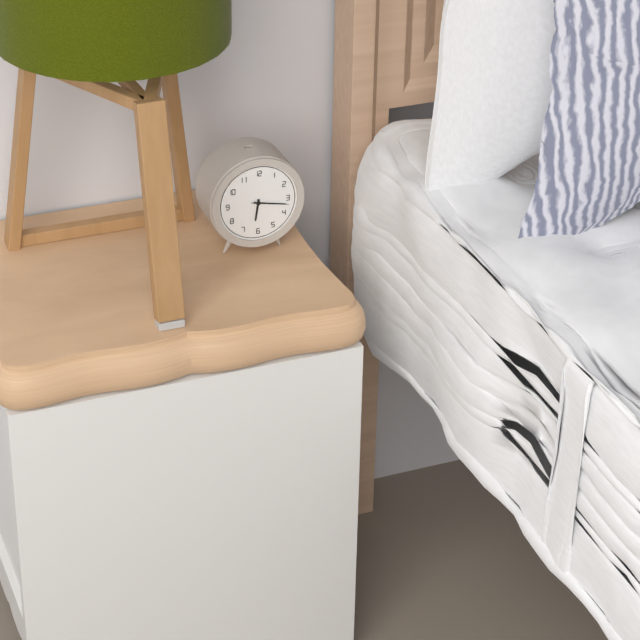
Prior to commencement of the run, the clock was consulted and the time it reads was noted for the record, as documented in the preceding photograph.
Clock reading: 6:17
